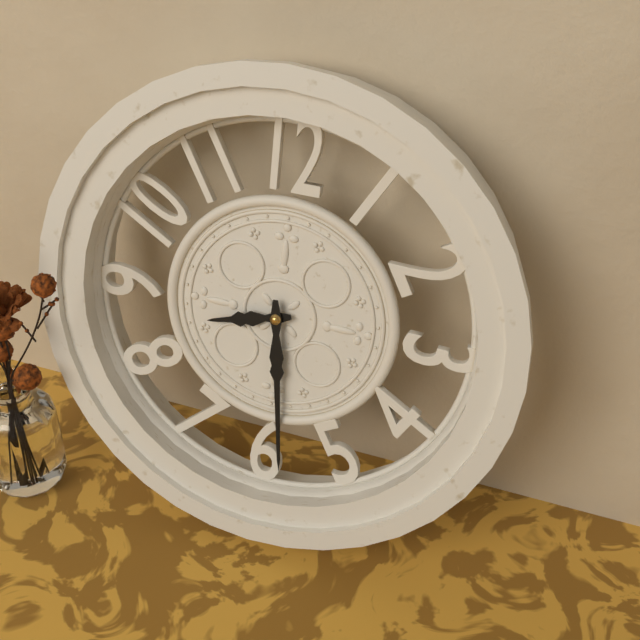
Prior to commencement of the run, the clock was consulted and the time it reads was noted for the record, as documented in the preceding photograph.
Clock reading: 8:29
